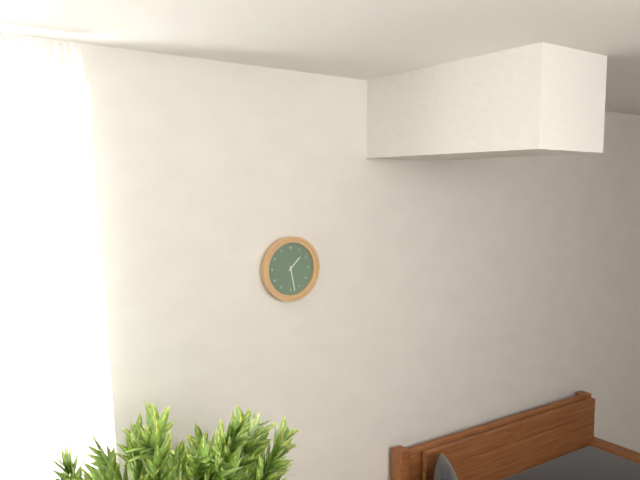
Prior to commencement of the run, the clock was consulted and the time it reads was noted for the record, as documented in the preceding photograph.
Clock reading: 1:28
